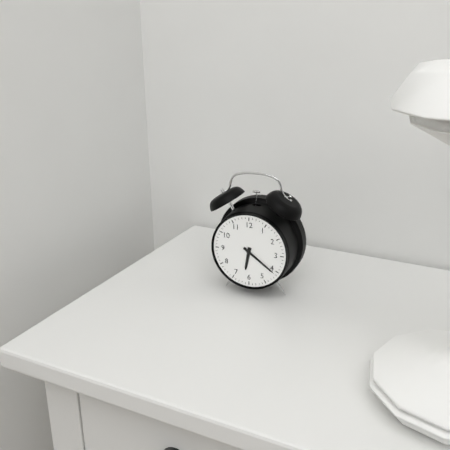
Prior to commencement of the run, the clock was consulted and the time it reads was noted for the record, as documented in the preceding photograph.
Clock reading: 6:21
